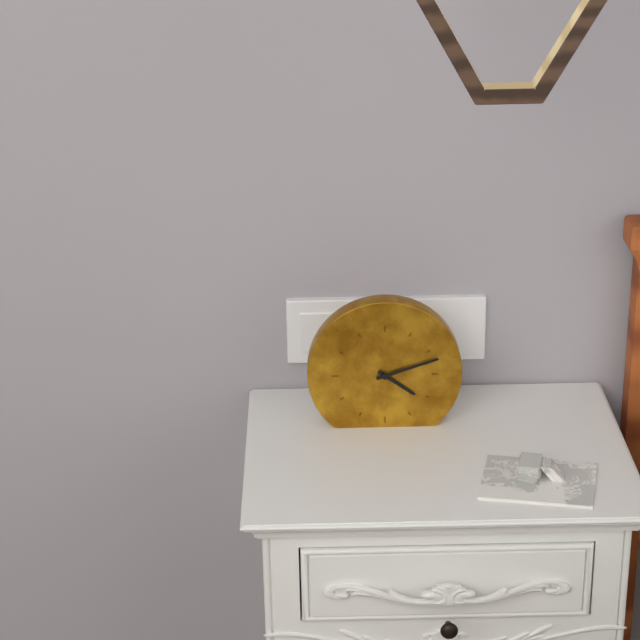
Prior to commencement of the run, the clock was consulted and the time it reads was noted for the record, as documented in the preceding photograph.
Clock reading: 4:12
